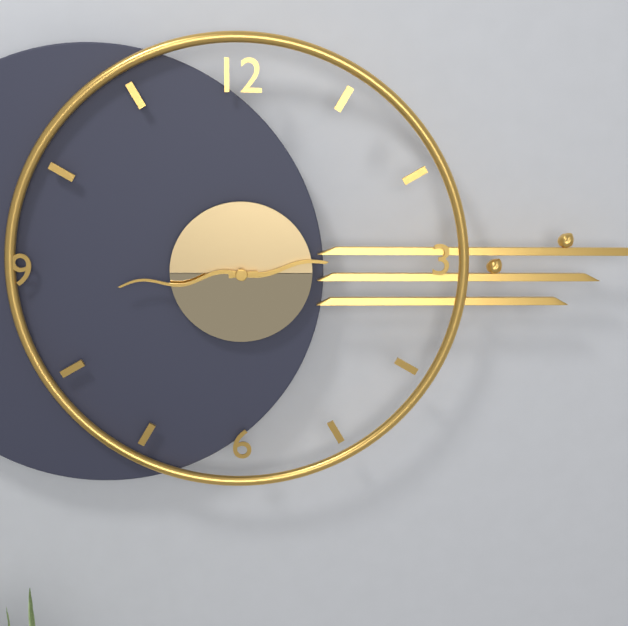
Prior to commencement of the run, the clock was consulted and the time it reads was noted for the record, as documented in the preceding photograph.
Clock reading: 2:44
